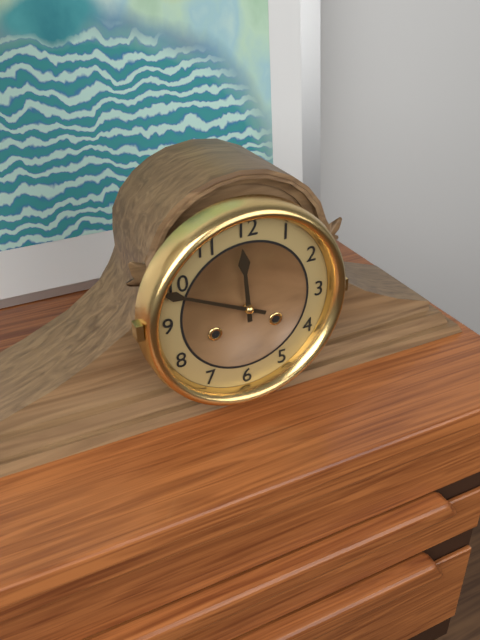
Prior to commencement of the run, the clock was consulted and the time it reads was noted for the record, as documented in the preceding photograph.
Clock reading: 11:49
